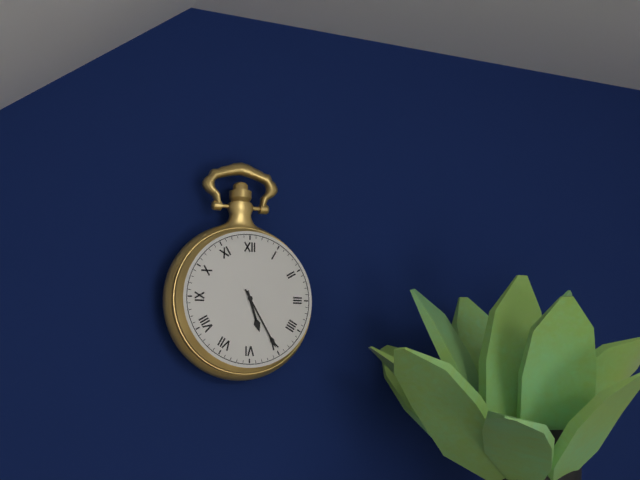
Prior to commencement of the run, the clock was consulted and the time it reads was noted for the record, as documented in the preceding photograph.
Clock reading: 5:25
